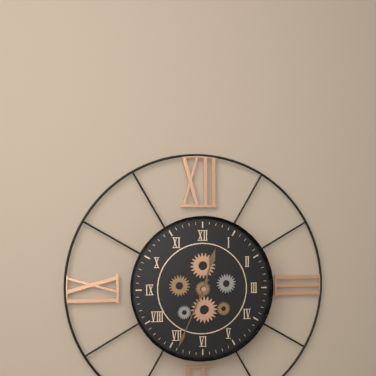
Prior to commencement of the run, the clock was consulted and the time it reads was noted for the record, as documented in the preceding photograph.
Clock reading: 12:34
